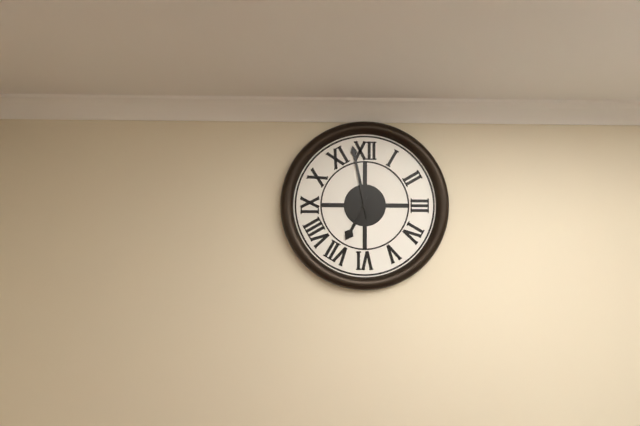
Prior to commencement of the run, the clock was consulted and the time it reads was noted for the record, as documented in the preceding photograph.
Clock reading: 6:58
